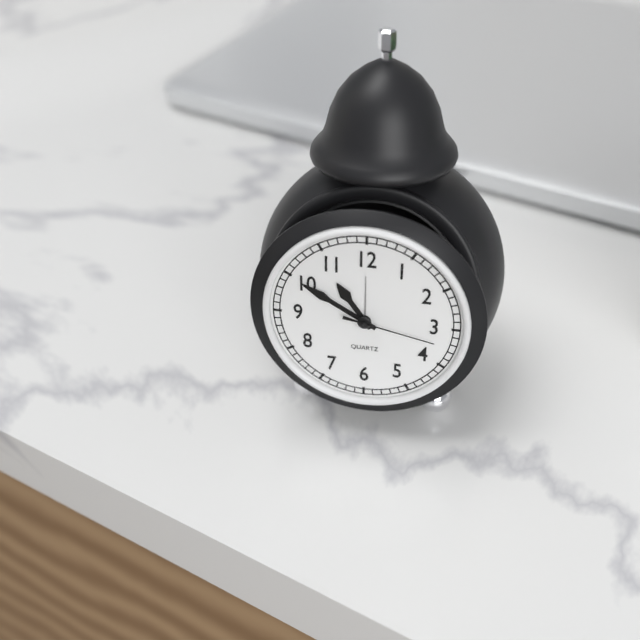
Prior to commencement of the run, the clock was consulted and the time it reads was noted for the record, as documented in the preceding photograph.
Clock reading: 10:50:17
